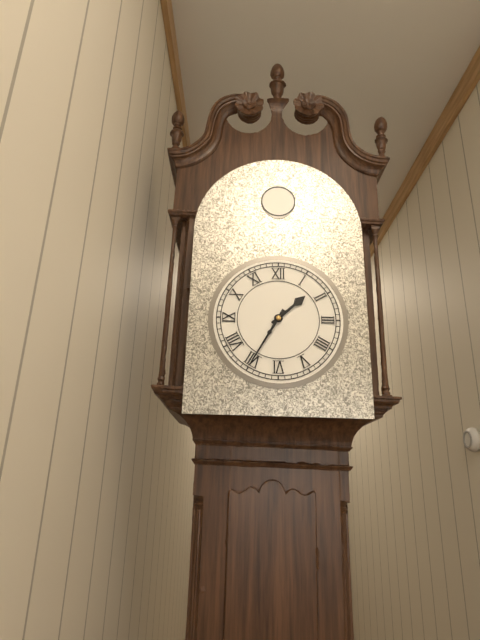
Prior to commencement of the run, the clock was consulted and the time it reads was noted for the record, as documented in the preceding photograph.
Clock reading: 1:35
